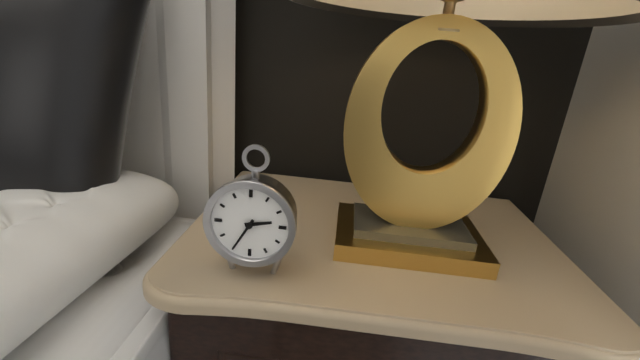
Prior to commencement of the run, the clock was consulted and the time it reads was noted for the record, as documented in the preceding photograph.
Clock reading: 2:35
